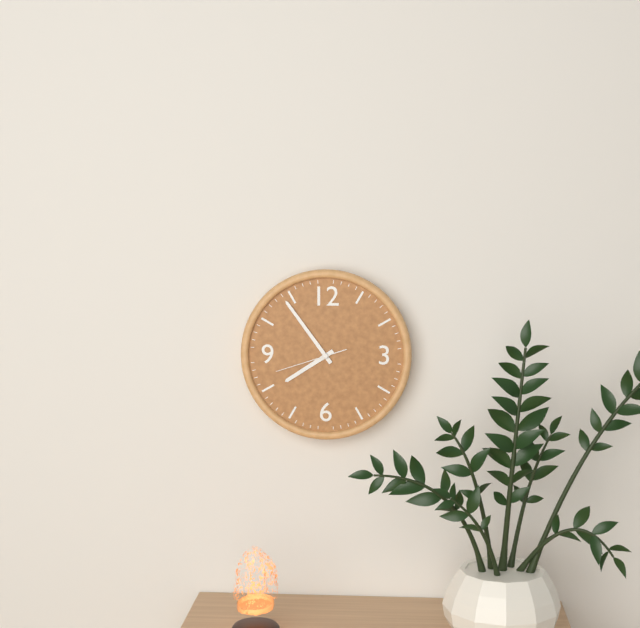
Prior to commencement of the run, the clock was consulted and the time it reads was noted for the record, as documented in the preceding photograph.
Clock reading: 7:54:42
